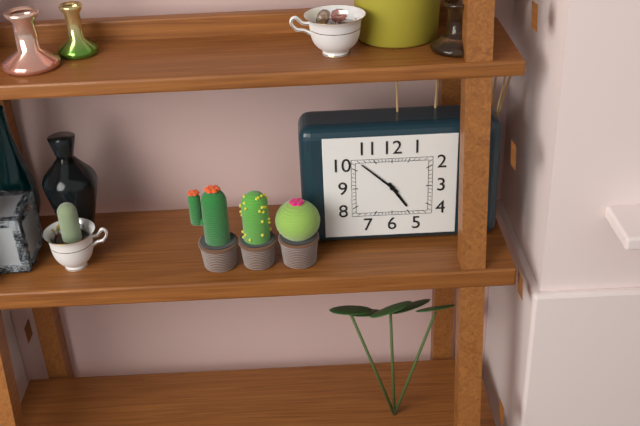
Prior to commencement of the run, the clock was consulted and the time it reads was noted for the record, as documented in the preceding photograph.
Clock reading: 4:52
